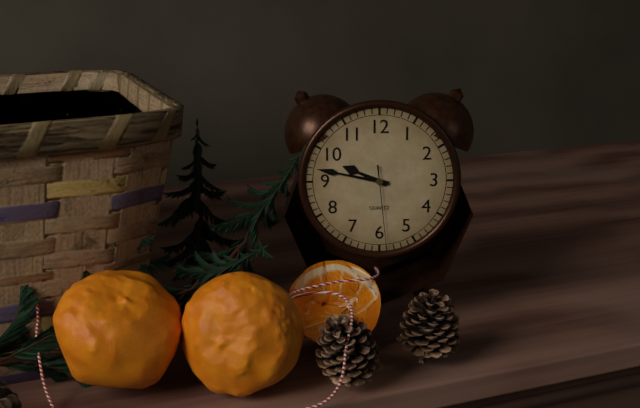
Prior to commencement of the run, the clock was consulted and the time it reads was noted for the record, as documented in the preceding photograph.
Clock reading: 9:47:29
